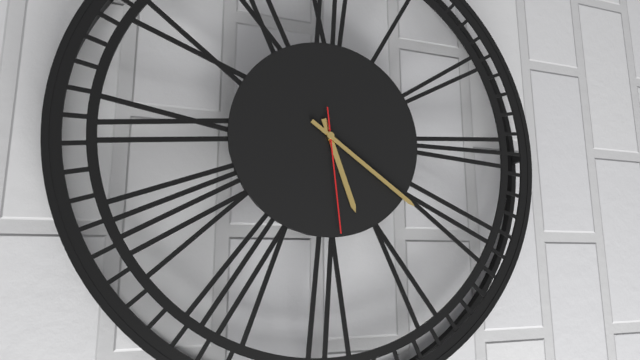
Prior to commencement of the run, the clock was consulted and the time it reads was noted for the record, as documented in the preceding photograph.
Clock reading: 5:21:29
